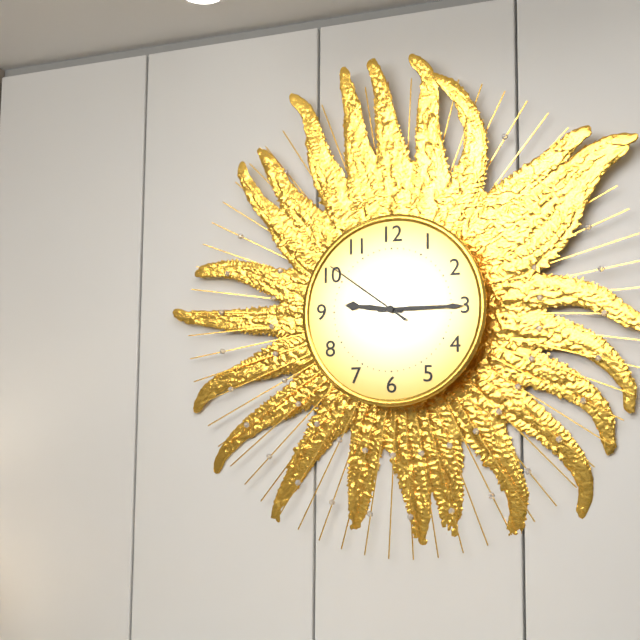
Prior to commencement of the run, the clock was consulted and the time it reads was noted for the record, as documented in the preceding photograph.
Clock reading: 9:15:51
